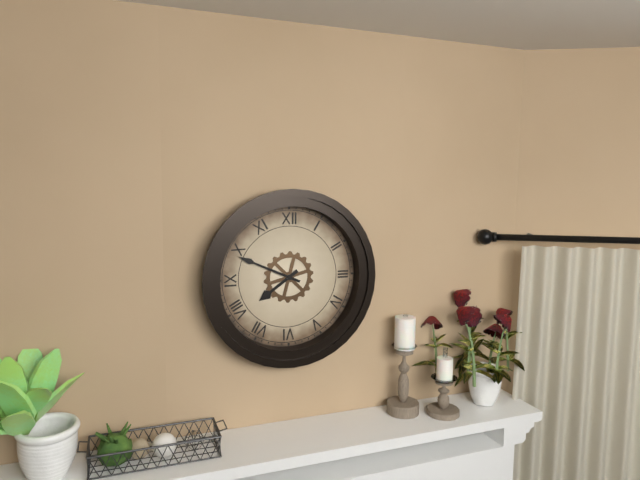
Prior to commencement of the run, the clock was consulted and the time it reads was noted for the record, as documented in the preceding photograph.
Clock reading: 7:49
